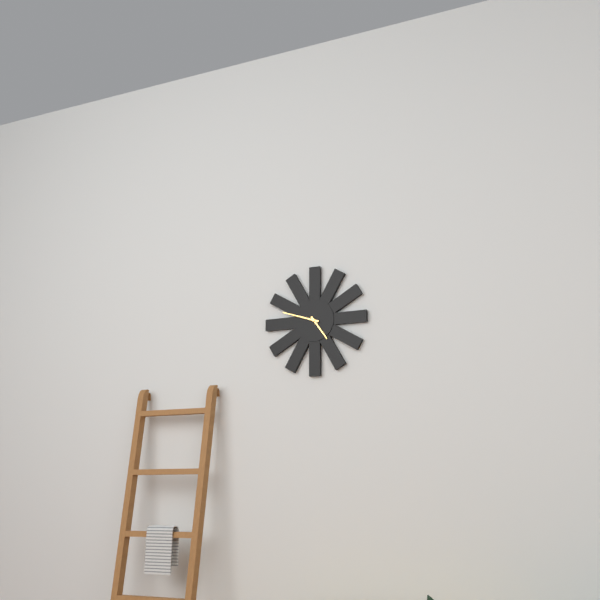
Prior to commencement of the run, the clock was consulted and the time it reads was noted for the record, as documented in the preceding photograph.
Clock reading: 4:48
